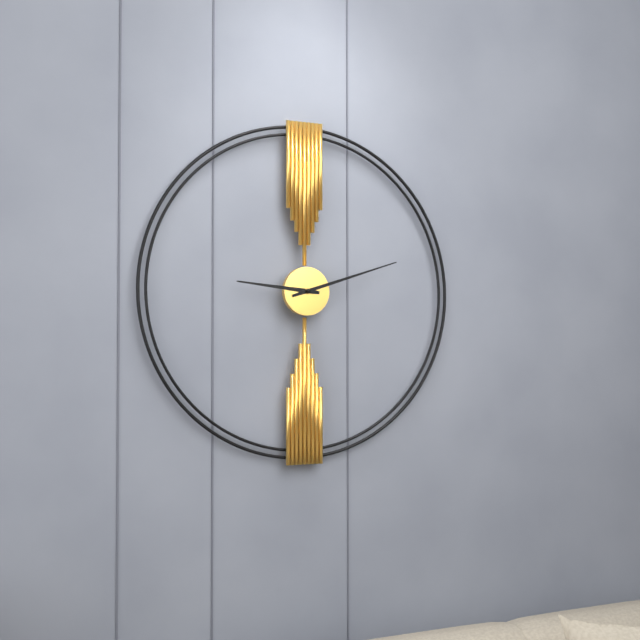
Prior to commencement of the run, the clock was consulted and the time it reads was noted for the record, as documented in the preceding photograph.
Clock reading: 9:12
